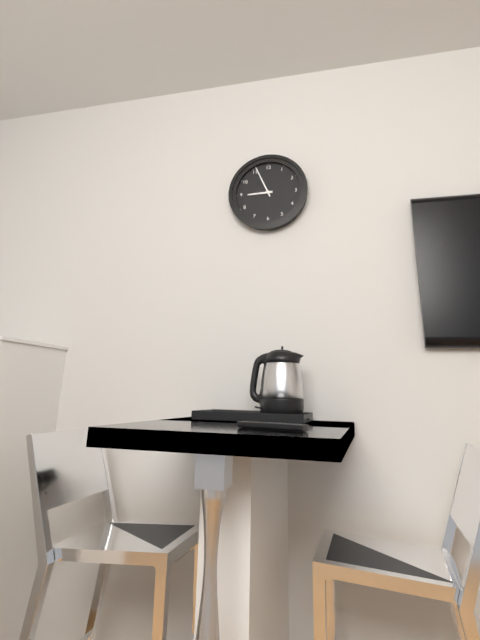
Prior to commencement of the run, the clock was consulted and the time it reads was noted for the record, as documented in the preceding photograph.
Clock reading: 8:56
